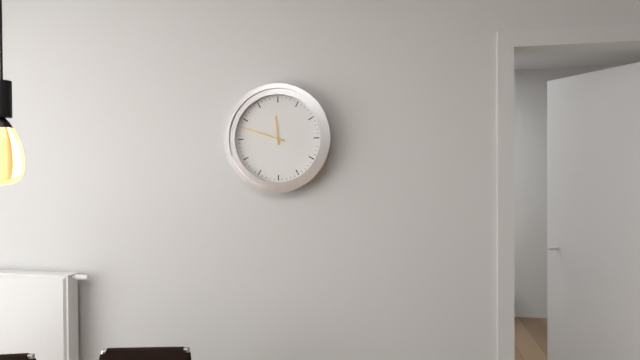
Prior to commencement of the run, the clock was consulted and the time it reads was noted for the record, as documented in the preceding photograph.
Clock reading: 11:48
